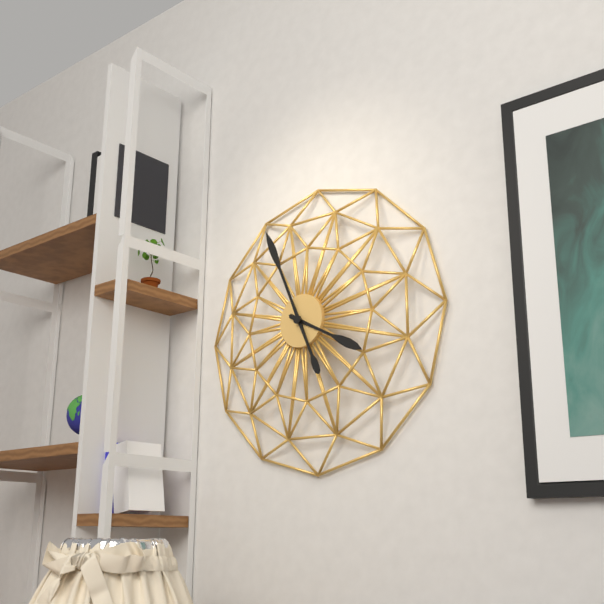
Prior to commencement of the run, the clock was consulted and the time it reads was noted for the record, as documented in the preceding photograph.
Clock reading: 3:56
